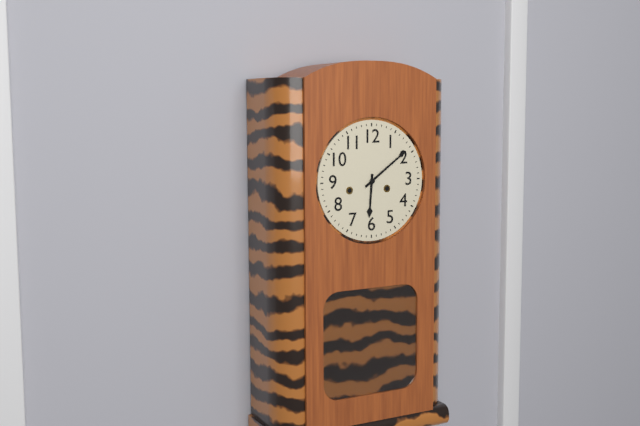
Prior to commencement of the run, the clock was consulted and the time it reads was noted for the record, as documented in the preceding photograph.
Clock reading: 6:09
